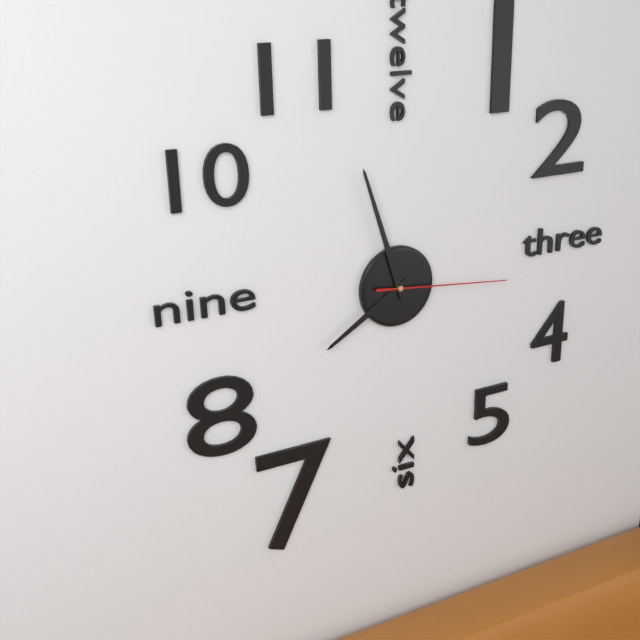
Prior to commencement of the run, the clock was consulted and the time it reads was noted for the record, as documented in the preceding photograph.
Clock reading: 7:57:16
